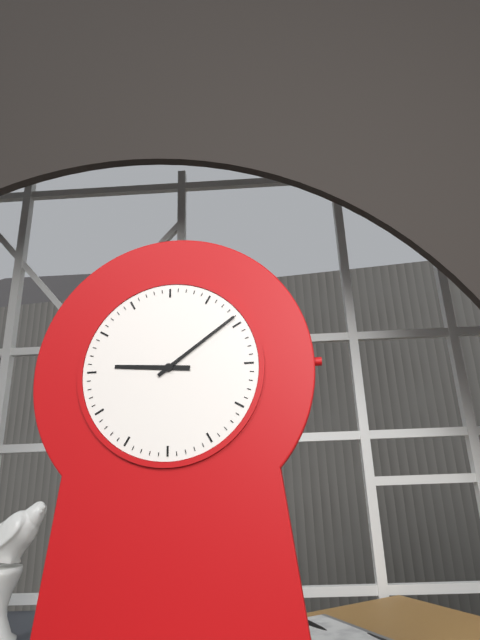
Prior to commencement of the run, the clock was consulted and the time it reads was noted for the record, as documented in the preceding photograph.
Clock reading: 9:09
